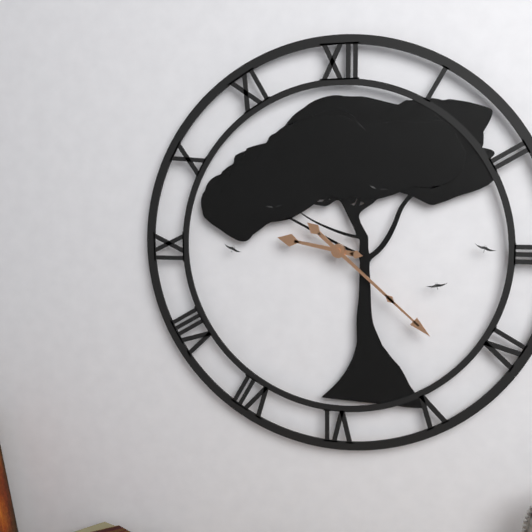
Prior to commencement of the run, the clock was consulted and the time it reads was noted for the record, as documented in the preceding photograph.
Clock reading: 9:22
